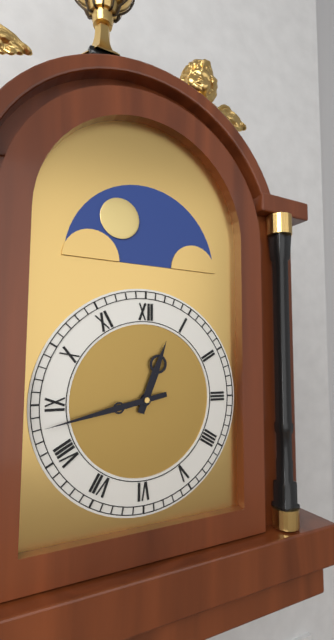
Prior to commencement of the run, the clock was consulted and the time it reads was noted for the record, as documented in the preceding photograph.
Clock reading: 12:43
